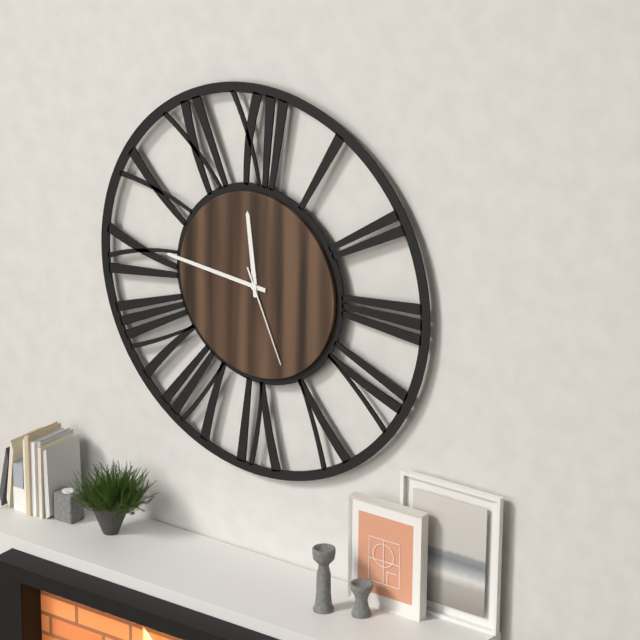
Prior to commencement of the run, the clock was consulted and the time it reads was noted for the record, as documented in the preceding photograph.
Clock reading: 11:46:26
